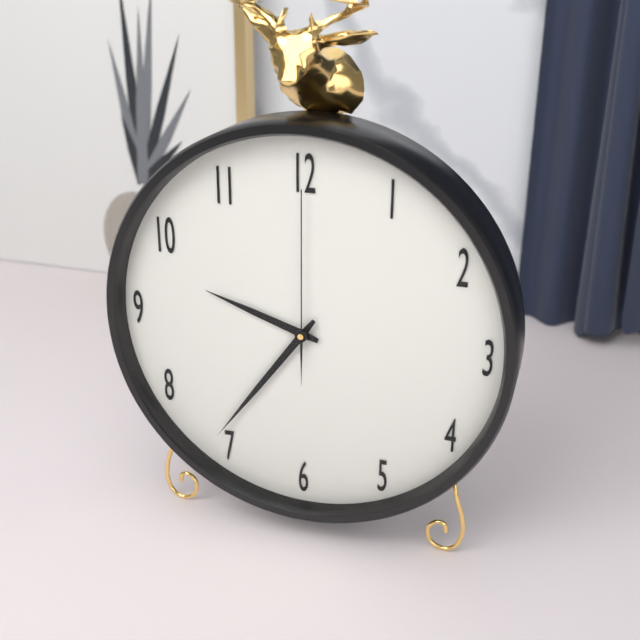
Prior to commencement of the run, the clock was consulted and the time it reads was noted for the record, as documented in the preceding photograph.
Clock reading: 9:36:00
